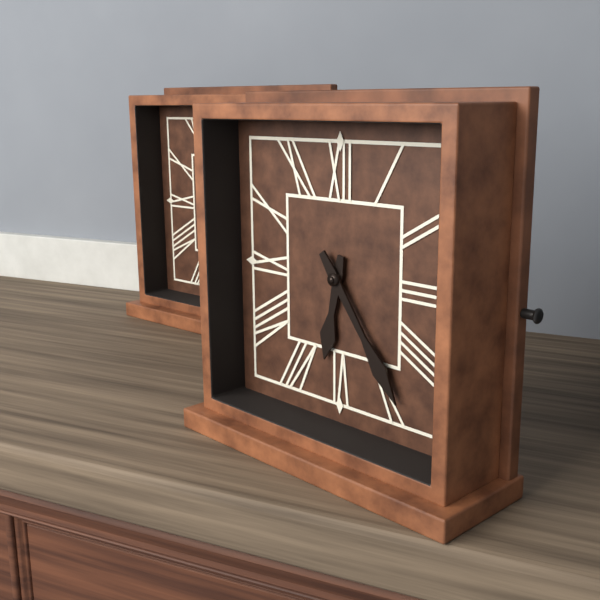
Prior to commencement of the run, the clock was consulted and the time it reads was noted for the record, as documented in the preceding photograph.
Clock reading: 6:24
